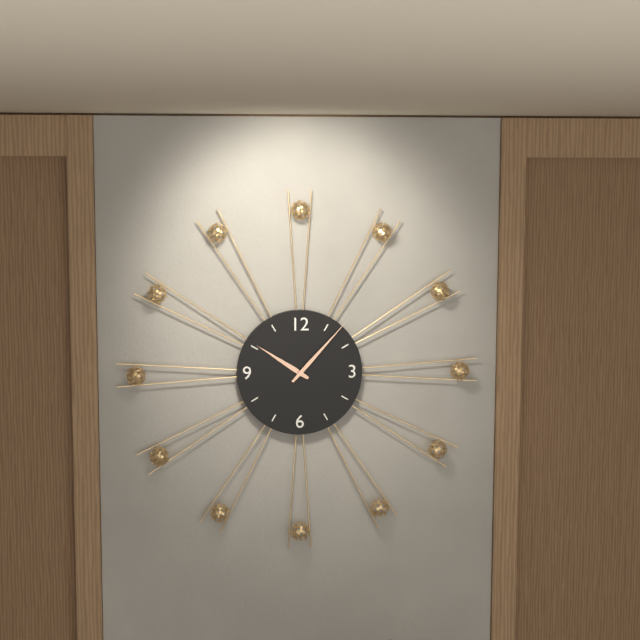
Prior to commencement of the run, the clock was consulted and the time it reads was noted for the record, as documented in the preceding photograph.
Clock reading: 10:07
